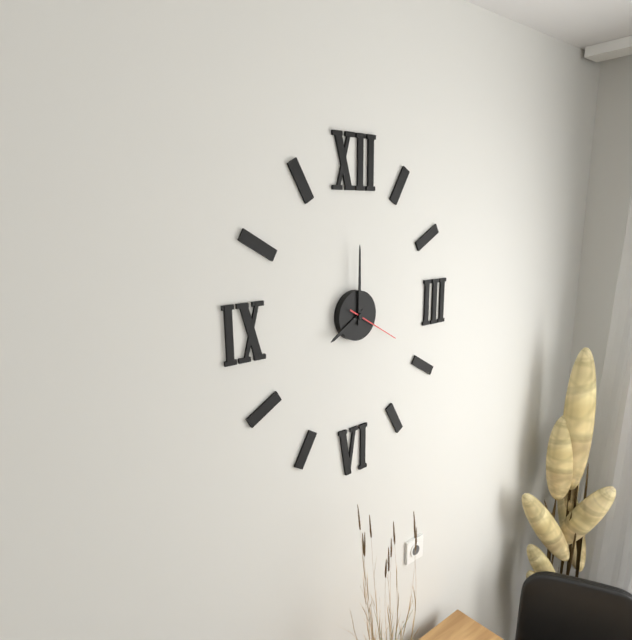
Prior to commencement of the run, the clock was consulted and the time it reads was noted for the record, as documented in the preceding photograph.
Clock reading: 8:00:20
